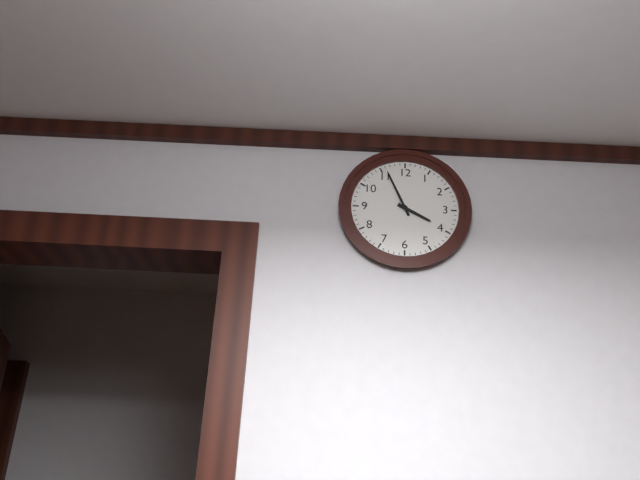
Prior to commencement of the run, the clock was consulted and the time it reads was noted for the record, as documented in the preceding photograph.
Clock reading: 3:56
